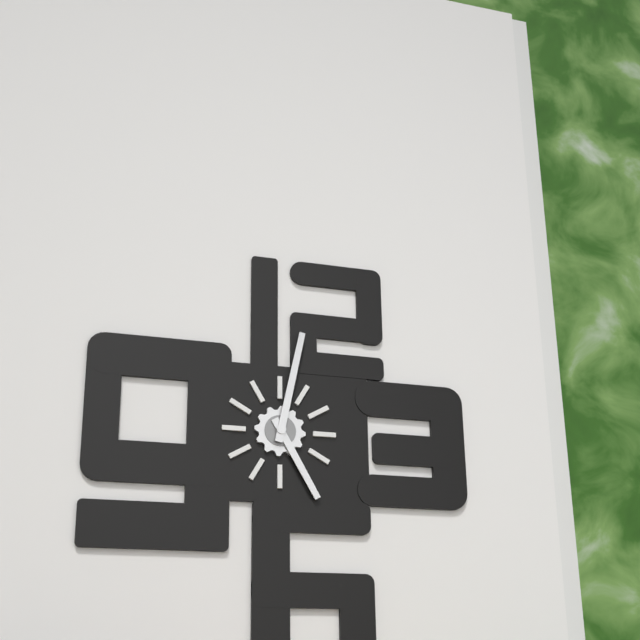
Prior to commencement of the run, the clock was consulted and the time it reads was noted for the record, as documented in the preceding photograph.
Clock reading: 5:02
